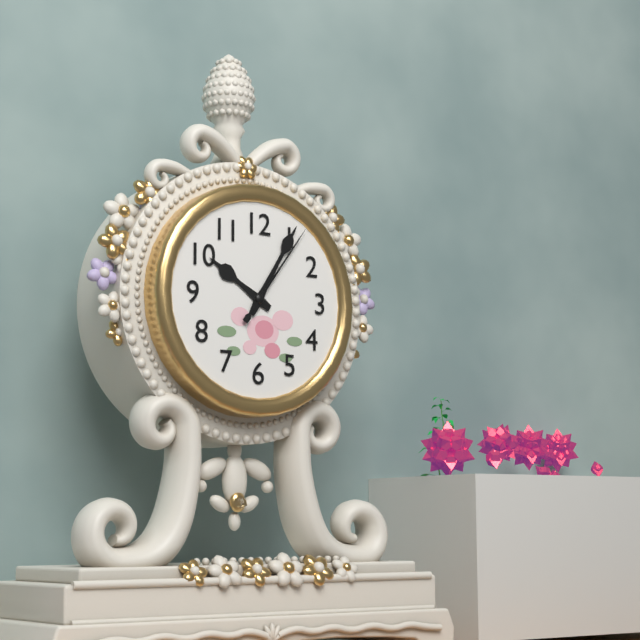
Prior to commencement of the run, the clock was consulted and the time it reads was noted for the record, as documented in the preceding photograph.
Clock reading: 10:05:06
